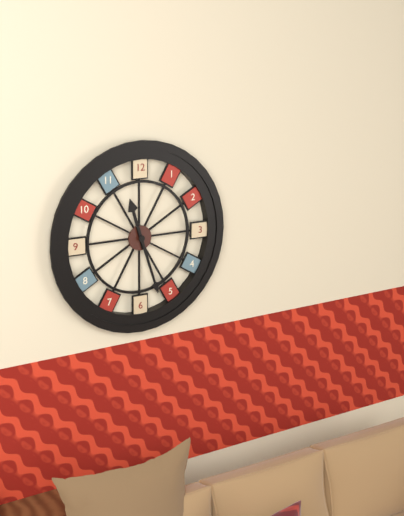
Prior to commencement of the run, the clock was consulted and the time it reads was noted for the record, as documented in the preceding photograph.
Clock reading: 11:27
